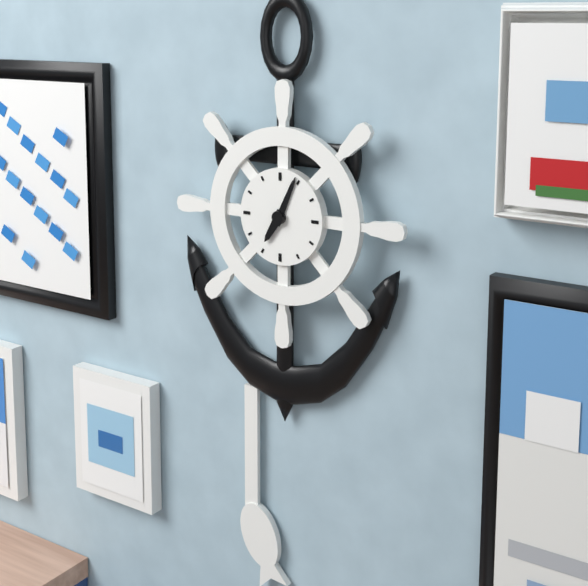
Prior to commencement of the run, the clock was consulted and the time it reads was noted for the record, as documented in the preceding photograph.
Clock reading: 7:04
